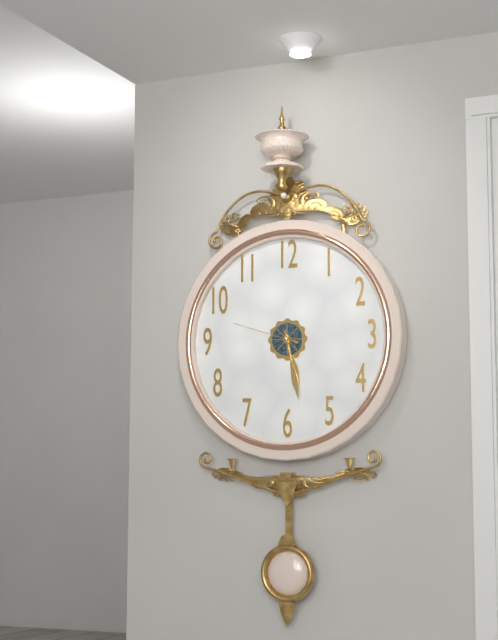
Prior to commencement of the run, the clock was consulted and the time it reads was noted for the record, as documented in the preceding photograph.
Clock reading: 5:28:48
